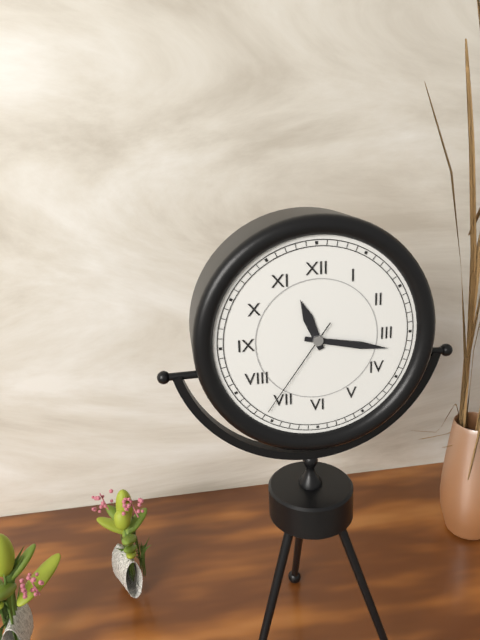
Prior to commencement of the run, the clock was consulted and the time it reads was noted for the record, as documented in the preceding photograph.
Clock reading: 11:17:36
